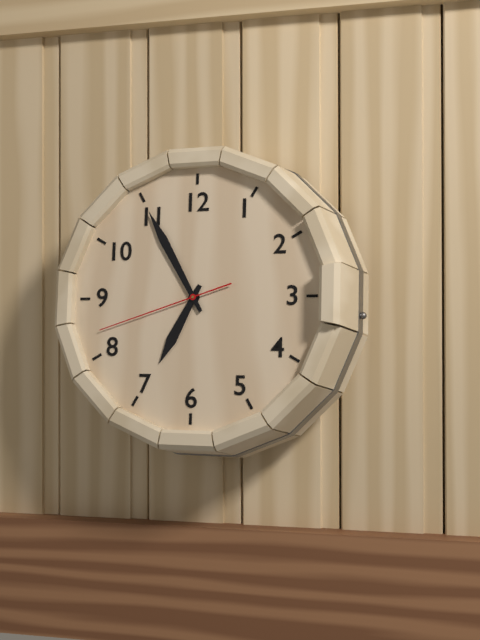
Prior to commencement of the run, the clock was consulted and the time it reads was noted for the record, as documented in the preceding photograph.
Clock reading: 6:55:42
